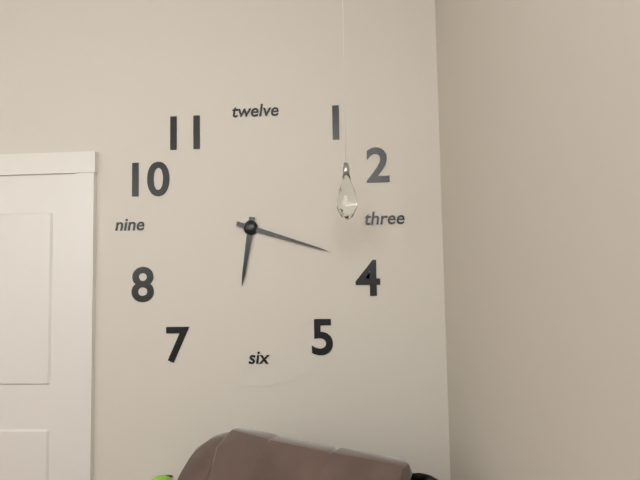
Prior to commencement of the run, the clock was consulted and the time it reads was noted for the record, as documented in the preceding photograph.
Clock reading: 6:18
